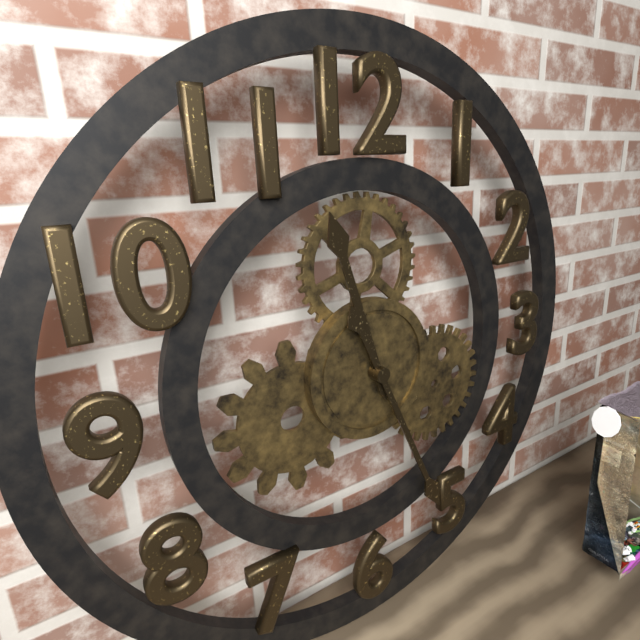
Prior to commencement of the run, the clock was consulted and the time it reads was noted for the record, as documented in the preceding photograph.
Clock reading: 11:26
